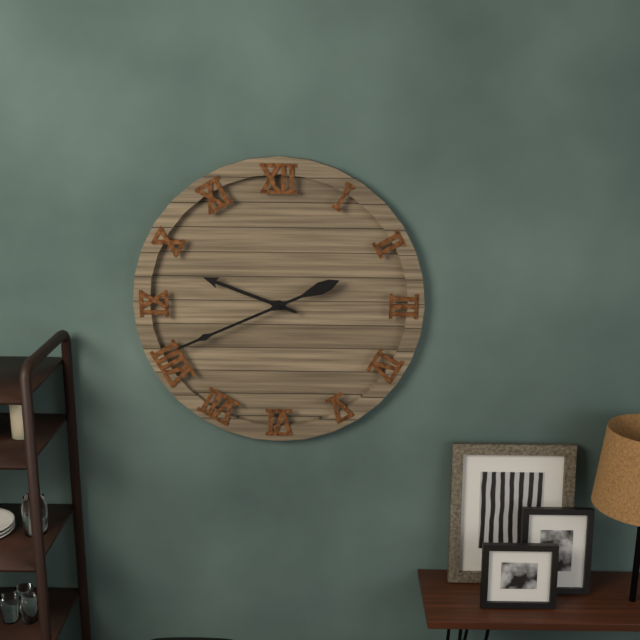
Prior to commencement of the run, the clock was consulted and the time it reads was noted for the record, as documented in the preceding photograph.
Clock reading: 9:41
